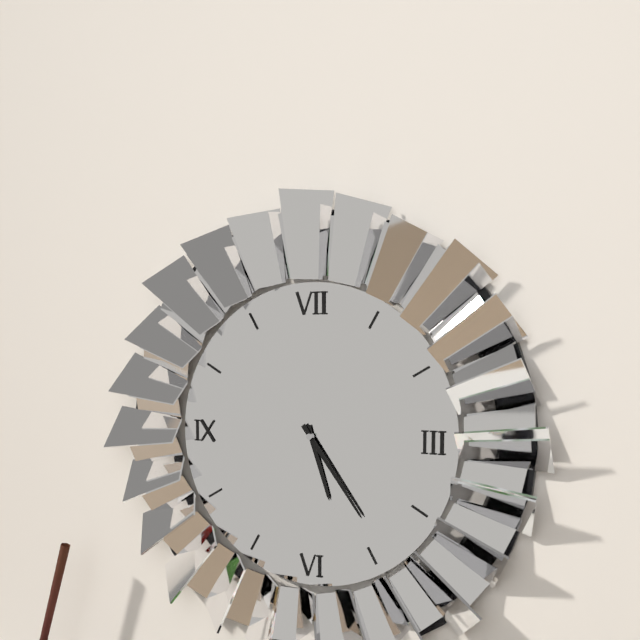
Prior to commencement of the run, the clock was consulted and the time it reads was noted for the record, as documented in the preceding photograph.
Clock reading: 5:24
